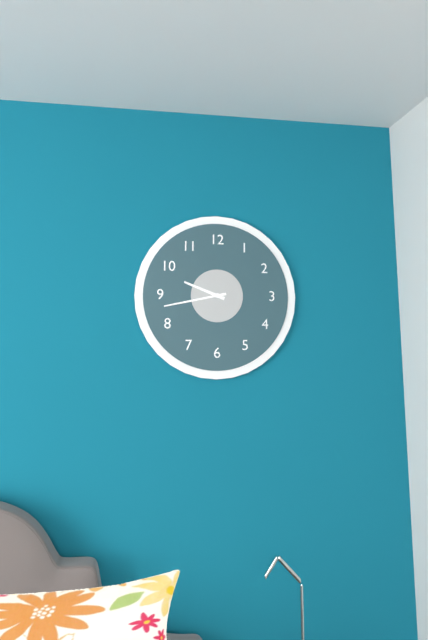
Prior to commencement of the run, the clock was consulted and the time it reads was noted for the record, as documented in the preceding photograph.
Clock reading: 9:43
